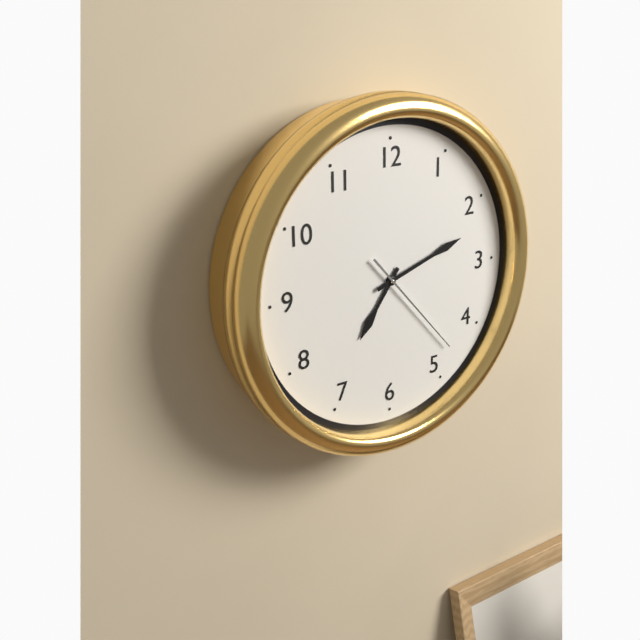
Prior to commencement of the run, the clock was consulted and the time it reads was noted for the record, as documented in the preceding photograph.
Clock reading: 7:12:23
